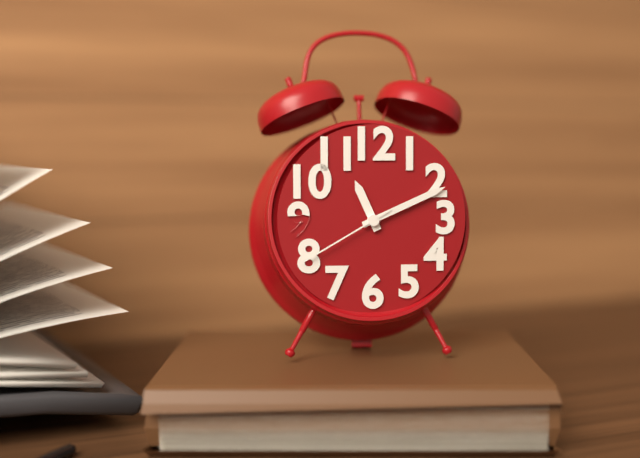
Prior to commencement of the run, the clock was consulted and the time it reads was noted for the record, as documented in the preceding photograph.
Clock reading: 11:11:40
